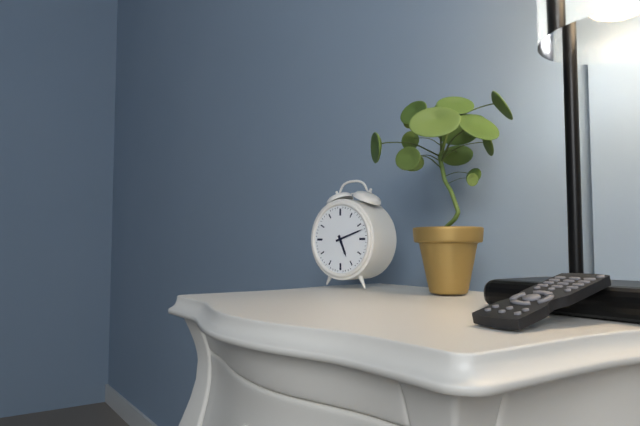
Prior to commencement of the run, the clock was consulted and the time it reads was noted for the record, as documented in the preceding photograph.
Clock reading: 5:12
